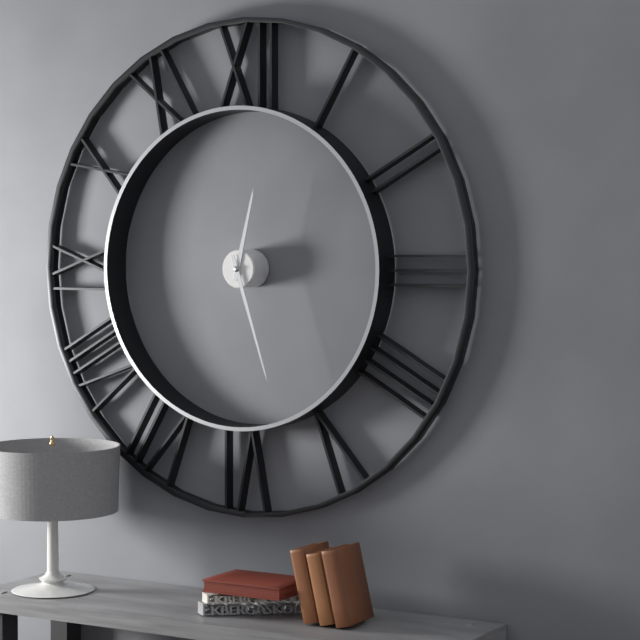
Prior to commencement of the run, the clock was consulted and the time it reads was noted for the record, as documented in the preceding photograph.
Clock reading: 12:27
